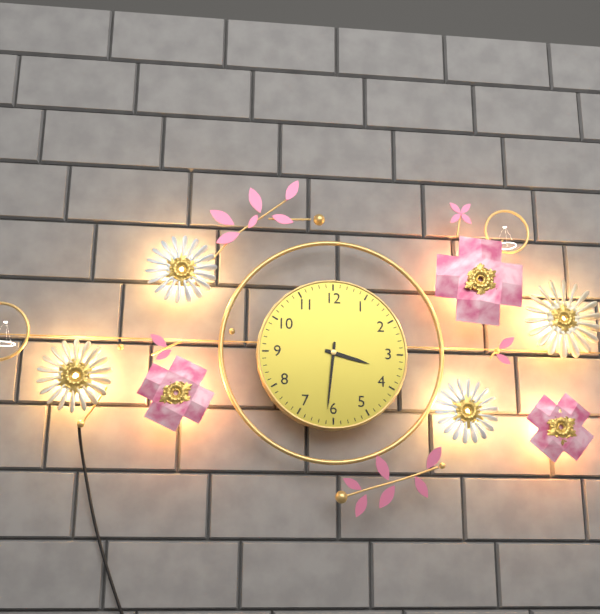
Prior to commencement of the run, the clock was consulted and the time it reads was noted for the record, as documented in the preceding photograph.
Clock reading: 3:31
